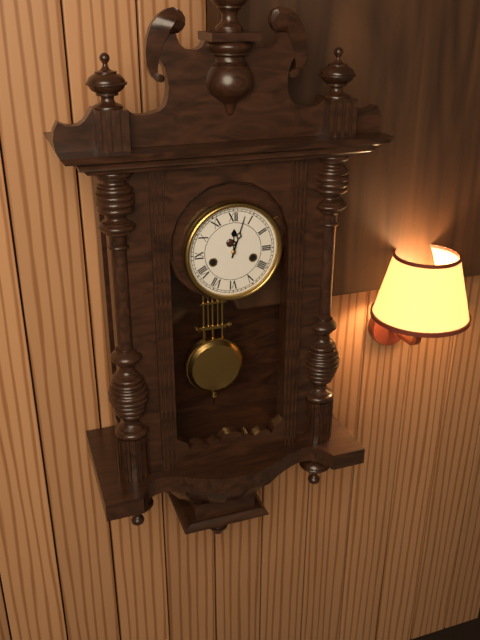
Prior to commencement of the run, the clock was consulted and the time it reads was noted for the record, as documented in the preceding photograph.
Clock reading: 12:03
